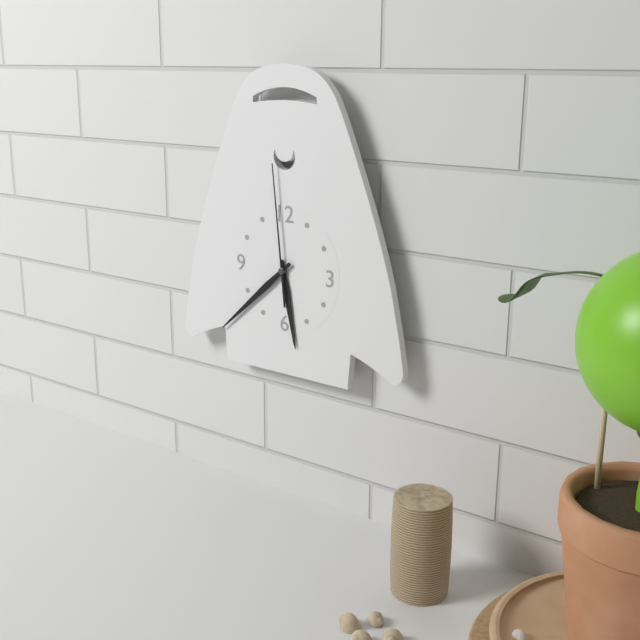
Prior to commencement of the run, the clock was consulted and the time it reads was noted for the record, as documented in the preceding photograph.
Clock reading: 5:38:59
